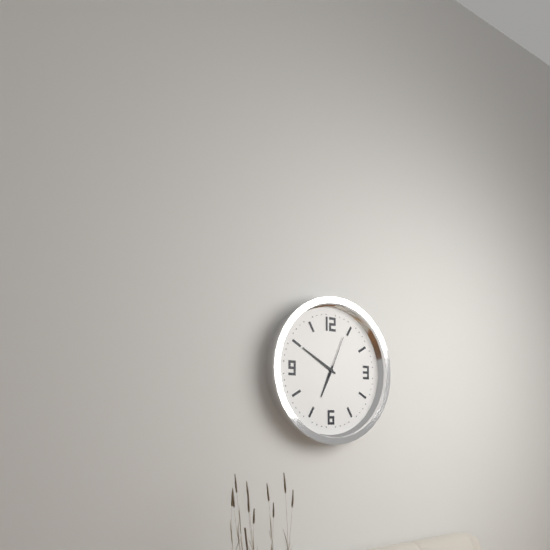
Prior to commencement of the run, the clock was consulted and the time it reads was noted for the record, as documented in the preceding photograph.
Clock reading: 6:50
